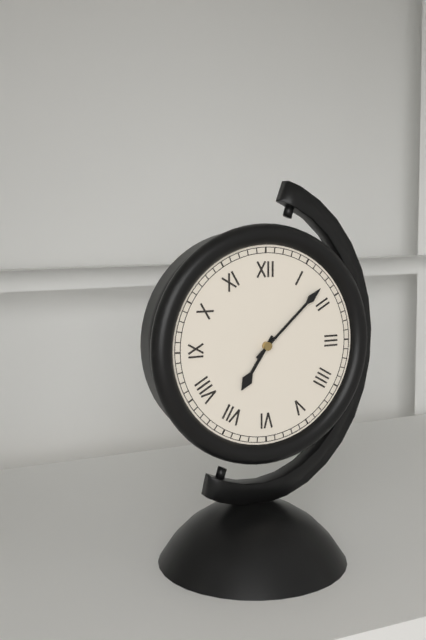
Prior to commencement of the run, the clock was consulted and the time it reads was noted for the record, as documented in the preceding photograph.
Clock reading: 7:08
